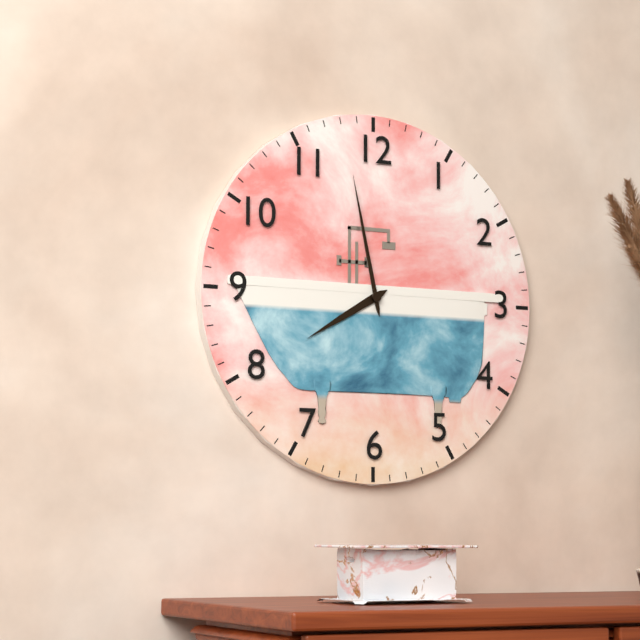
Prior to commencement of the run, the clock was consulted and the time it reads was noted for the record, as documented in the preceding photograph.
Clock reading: 7:58
